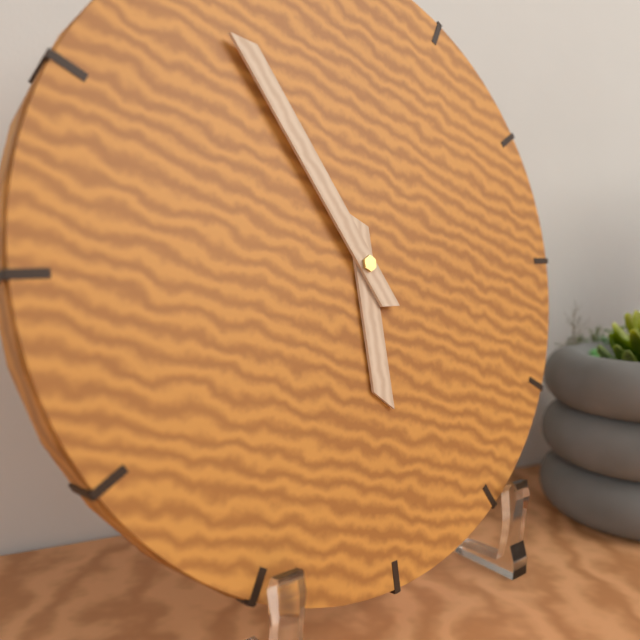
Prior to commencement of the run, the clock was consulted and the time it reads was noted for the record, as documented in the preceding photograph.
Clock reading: 5:55
